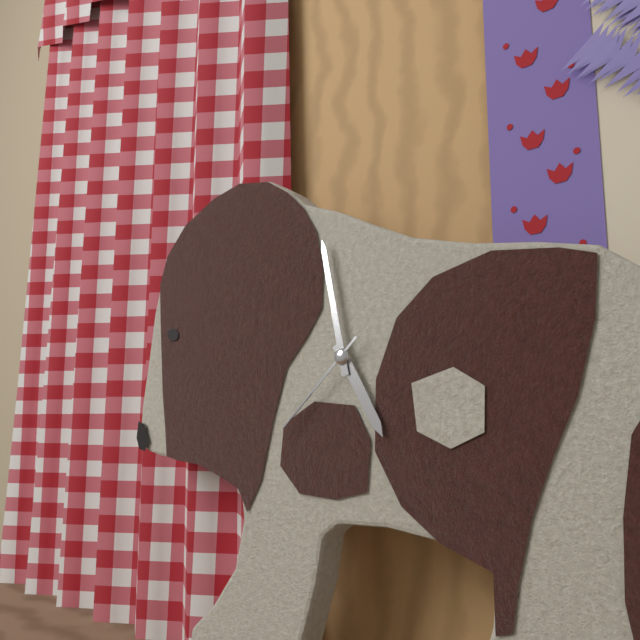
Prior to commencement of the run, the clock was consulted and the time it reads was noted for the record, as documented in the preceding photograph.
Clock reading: 4:58:38
